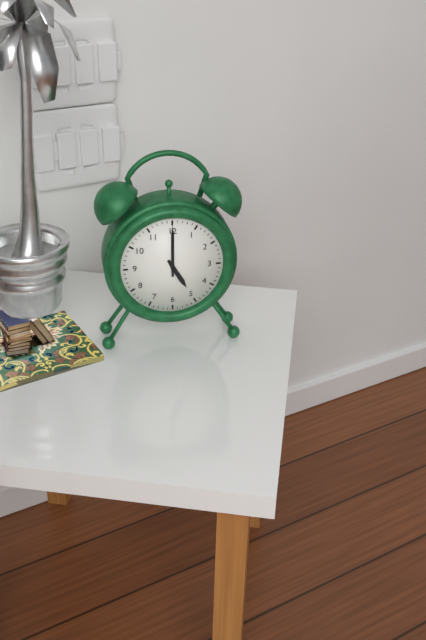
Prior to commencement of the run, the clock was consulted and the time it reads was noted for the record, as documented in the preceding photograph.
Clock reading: 5:00
